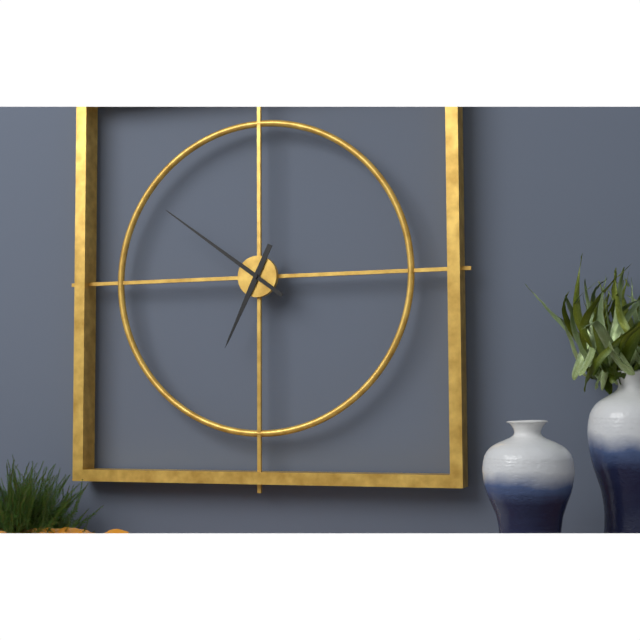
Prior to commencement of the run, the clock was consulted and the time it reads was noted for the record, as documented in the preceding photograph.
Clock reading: 6:51
